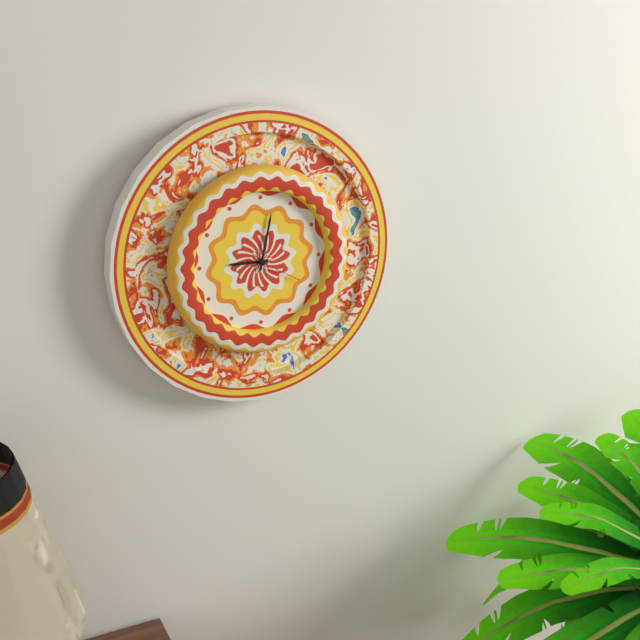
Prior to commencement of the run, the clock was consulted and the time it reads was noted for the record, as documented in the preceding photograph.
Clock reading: 9:02:20
